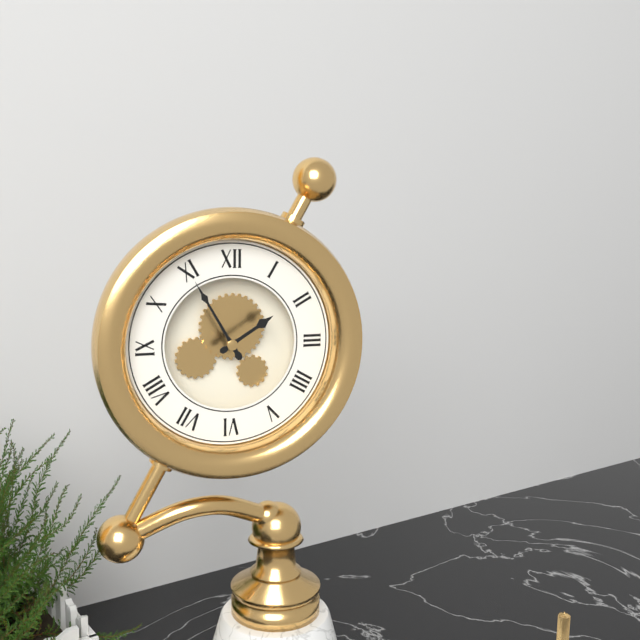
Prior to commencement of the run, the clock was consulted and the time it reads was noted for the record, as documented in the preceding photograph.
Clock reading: 1:55
